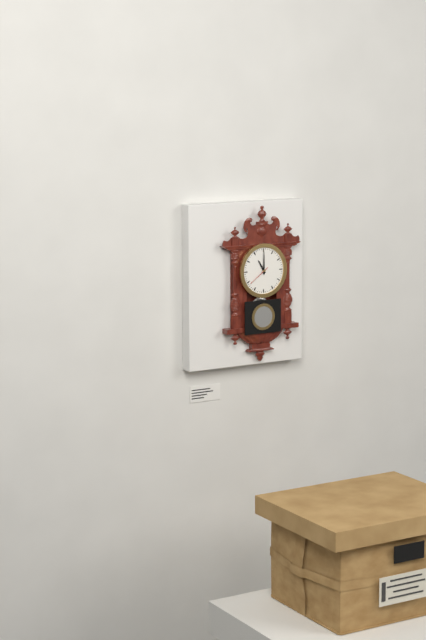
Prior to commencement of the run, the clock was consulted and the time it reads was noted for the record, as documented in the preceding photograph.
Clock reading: 11:00
